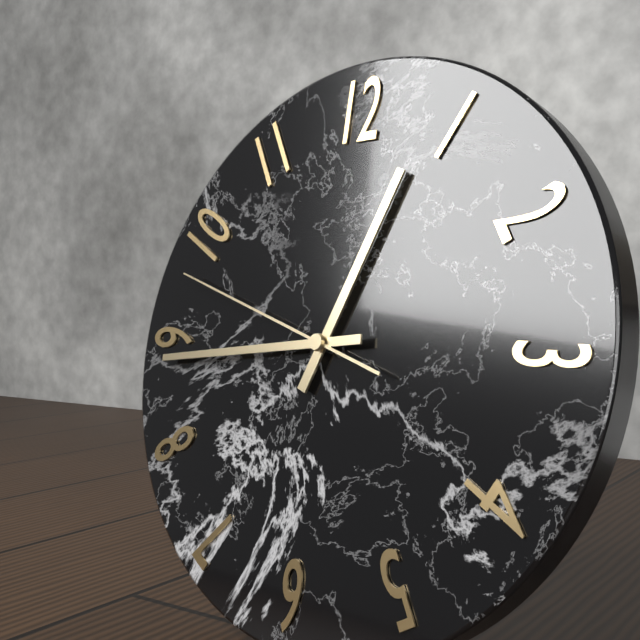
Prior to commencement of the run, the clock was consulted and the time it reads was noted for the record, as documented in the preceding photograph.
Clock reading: 12:44:48
